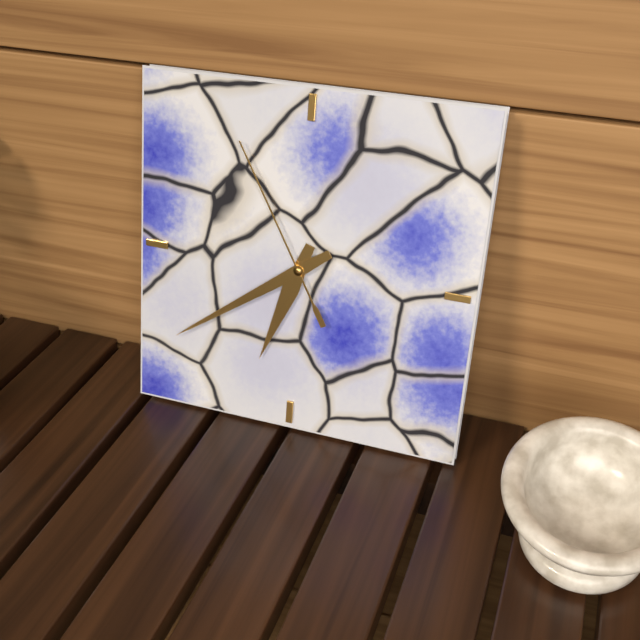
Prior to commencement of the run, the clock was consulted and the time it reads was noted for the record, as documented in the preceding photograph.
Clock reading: 6:39:55
